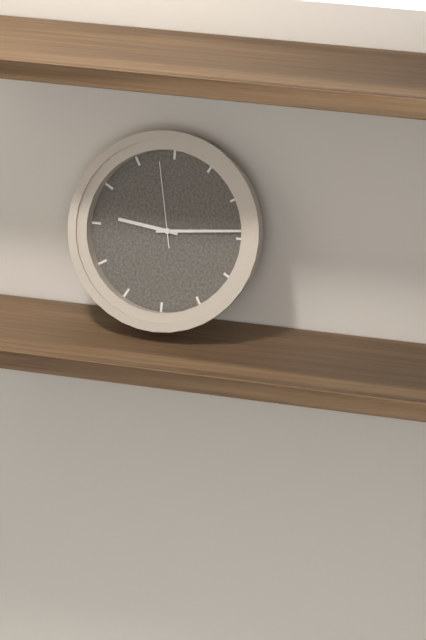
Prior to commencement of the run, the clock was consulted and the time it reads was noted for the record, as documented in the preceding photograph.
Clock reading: 9:14:58
